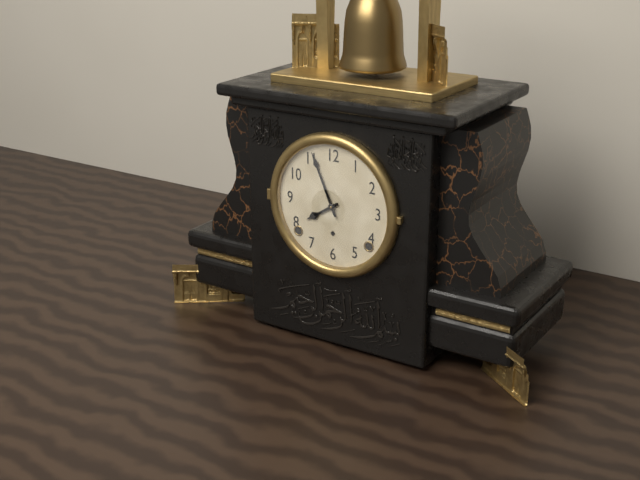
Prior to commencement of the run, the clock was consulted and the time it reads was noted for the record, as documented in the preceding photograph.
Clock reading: 7:56
